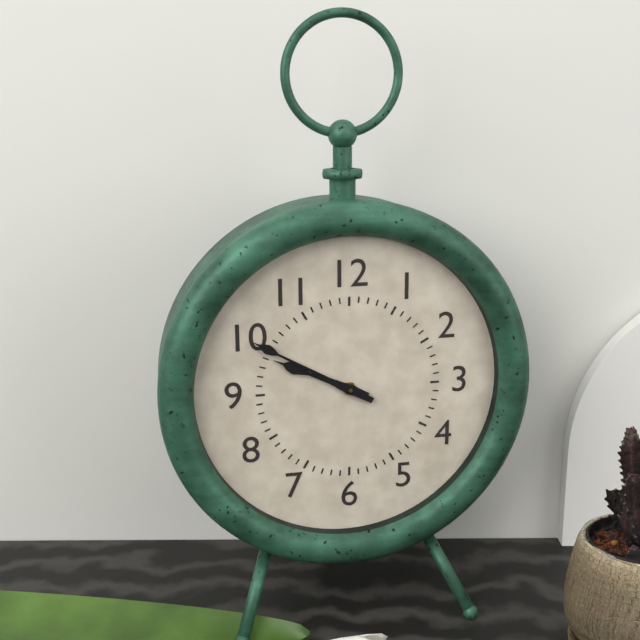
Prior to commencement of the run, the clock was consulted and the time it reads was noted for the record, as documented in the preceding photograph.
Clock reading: 9:50
